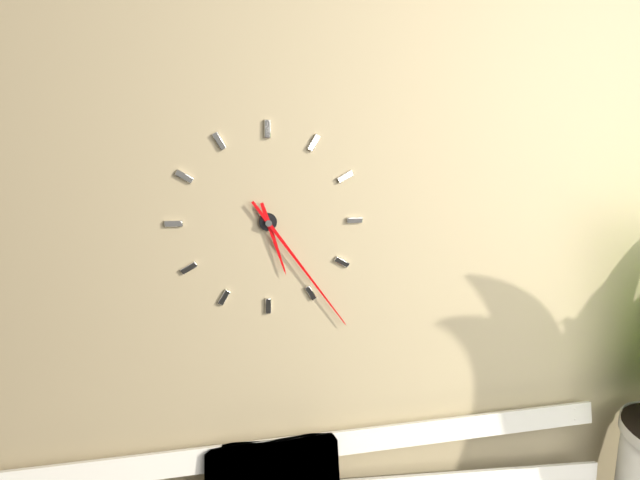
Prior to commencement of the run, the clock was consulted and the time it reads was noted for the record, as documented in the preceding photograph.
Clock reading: 5:24
